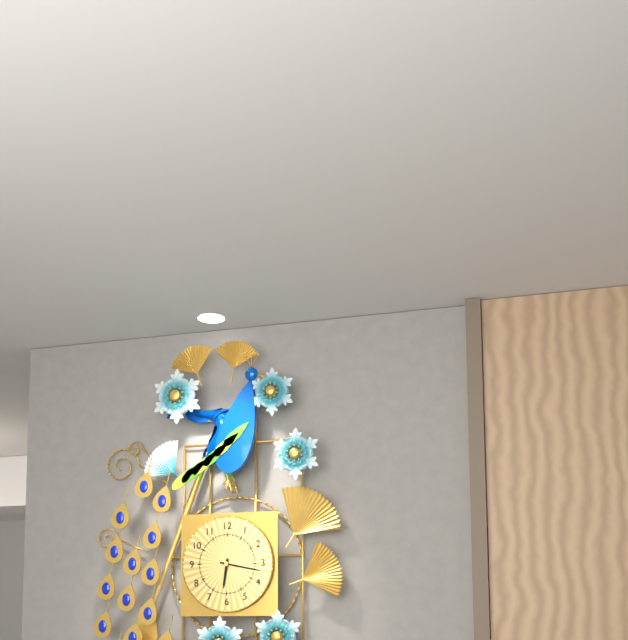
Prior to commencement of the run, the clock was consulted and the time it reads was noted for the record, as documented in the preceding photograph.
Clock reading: 6:17
